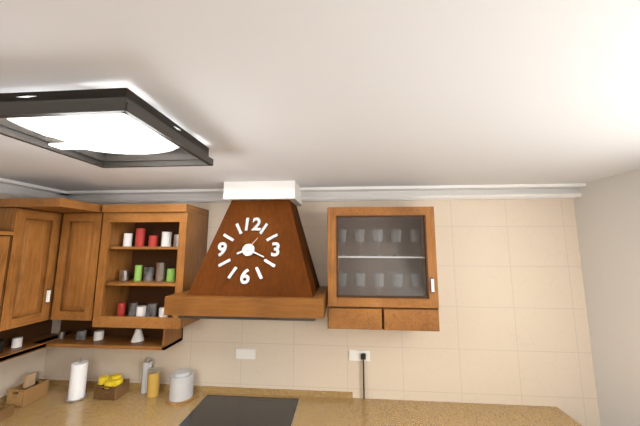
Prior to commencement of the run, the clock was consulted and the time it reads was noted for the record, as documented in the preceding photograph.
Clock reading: 8:19
